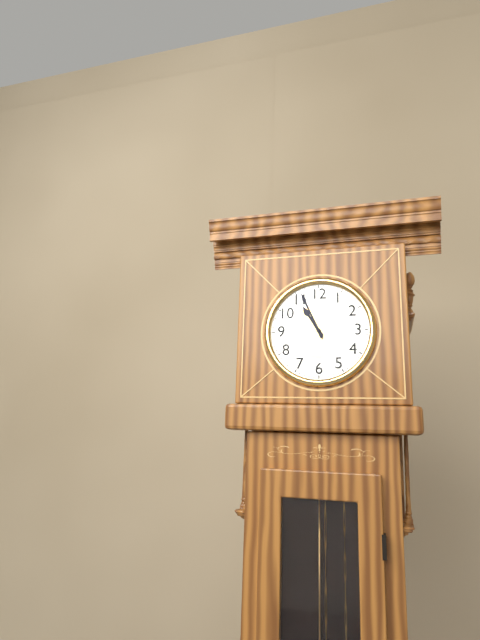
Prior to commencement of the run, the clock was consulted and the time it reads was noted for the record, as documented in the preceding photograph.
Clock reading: 10:56
